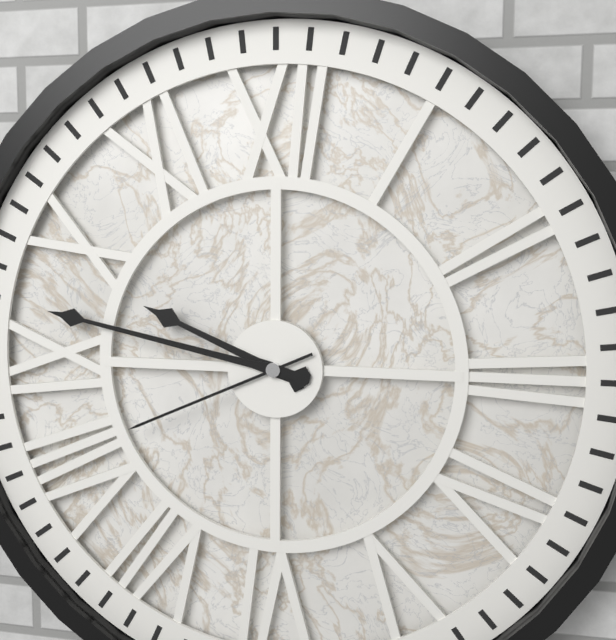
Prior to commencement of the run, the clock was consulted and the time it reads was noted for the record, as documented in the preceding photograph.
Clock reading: 9:47:41
